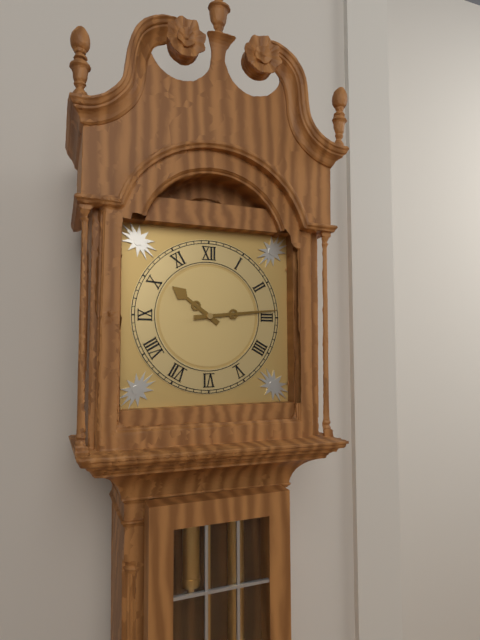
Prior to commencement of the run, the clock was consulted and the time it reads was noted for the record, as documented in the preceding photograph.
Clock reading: 10:14
